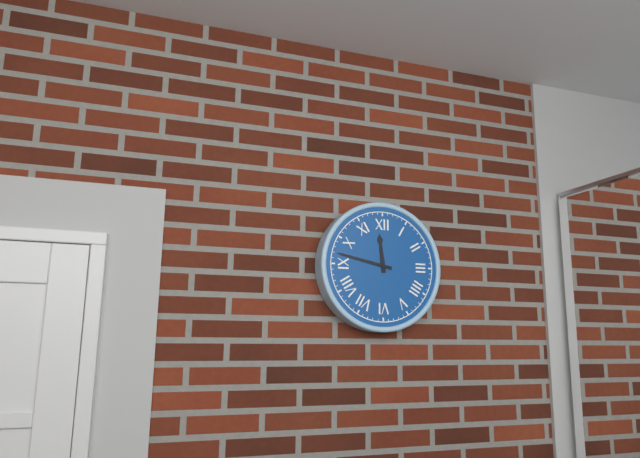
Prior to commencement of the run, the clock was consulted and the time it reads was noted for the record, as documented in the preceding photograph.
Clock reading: 11:47
